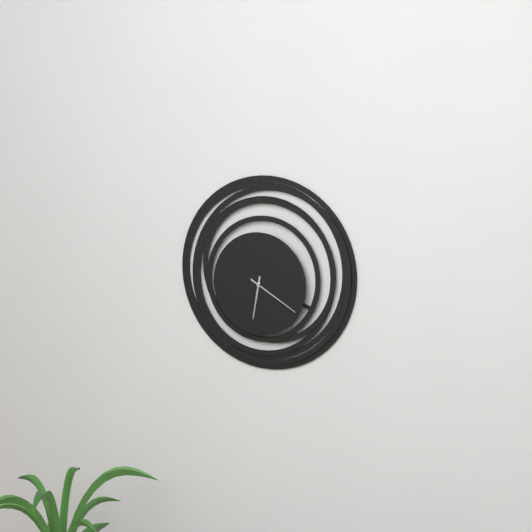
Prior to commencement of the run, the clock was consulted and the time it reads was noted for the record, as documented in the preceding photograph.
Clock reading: 6:20
